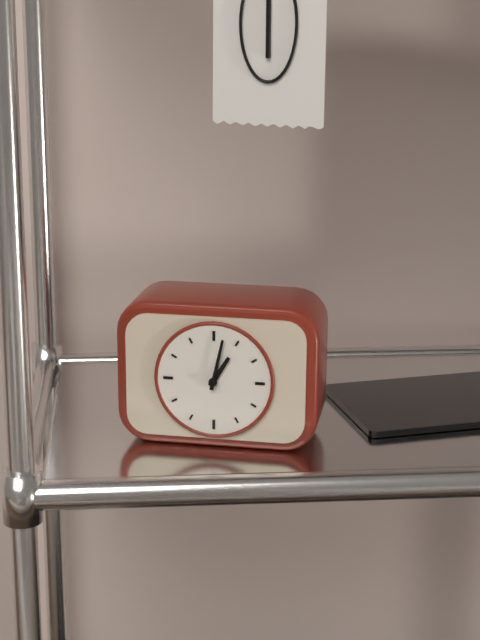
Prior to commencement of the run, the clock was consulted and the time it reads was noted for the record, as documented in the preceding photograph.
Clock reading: 1:02
